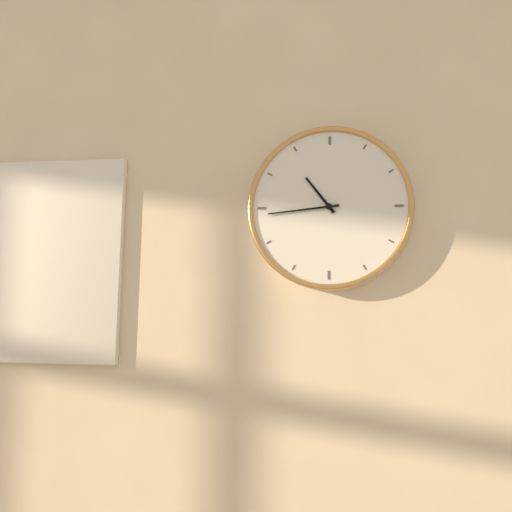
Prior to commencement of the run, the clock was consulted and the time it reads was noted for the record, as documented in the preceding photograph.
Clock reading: 10:44
